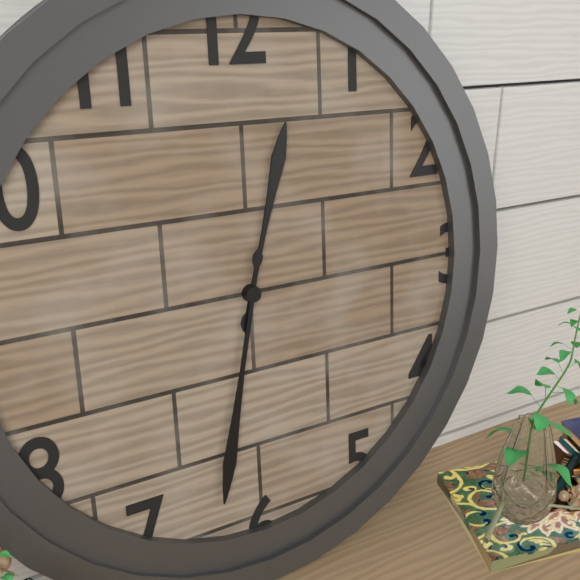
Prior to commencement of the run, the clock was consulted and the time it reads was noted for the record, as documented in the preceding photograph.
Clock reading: 12:32
